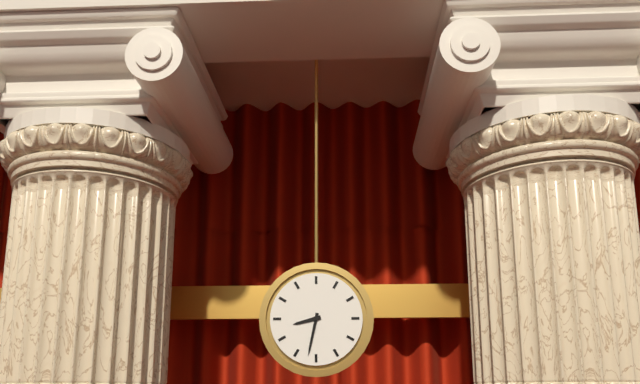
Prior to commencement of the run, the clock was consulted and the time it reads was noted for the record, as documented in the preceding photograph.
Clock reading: 8:32
